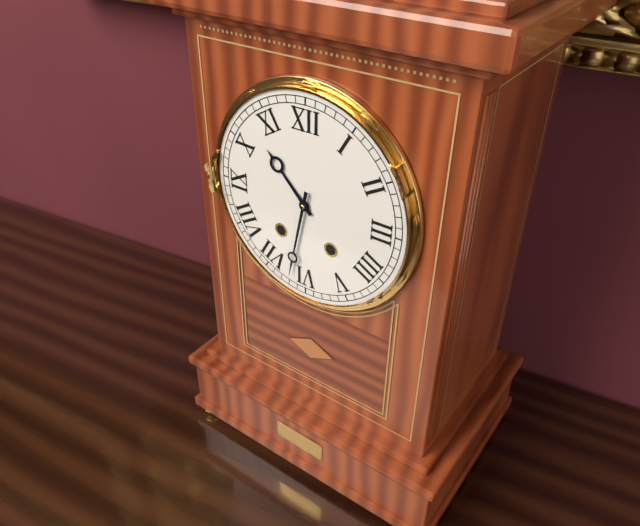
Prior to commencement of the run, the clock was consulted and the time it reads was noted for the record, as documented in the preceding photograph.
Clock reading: 10:32
